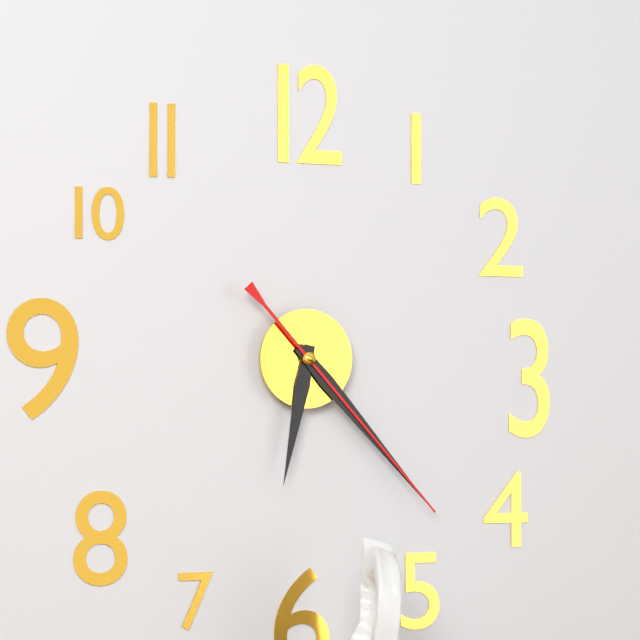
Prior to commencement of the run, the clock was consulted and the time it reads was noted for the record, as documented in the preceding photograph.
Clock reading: 6:23:23
